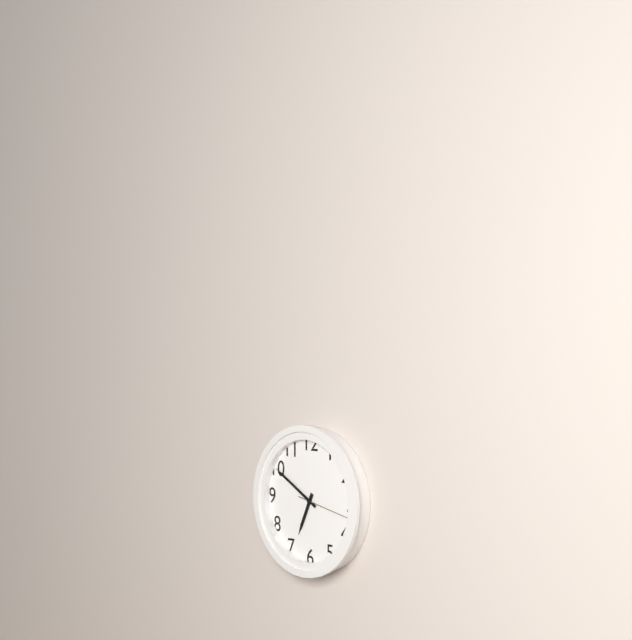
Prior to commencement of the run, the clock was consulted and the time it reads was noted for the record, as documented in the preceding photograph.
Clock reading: 6:50:17
